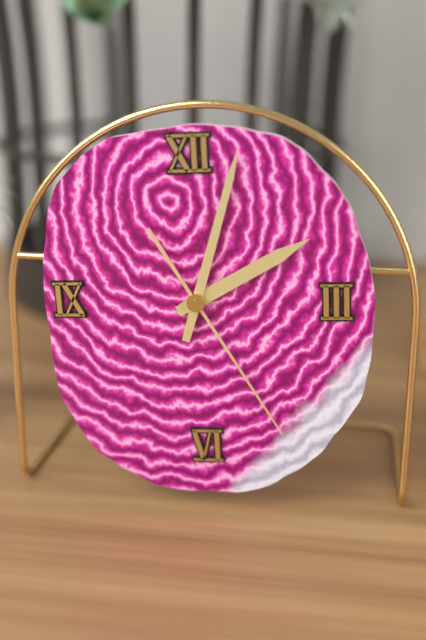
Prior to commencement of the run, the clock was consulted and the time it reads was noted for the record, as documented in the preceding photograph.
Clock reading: 2:03:25
